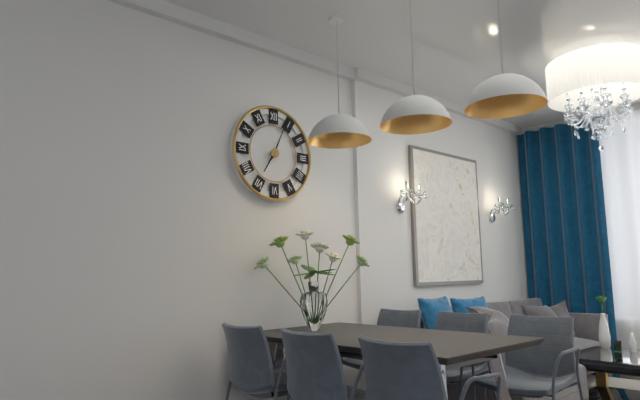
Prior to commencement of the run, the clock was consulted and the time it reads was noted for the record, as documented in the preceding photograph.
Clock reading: 7:04
